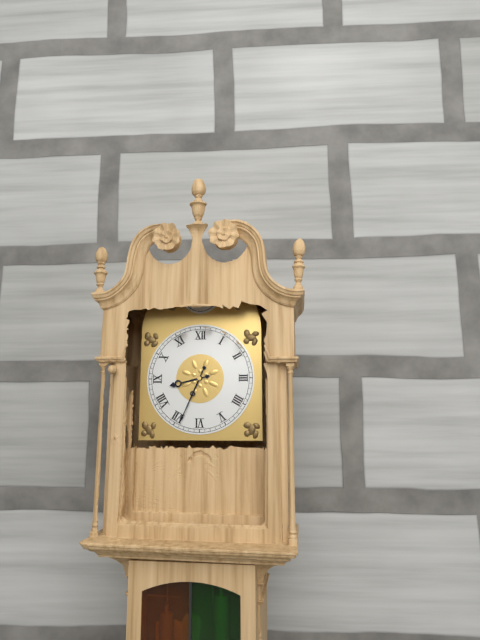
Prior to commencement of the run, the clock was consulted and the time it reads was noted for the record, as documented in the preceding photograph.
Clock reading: 8:34
